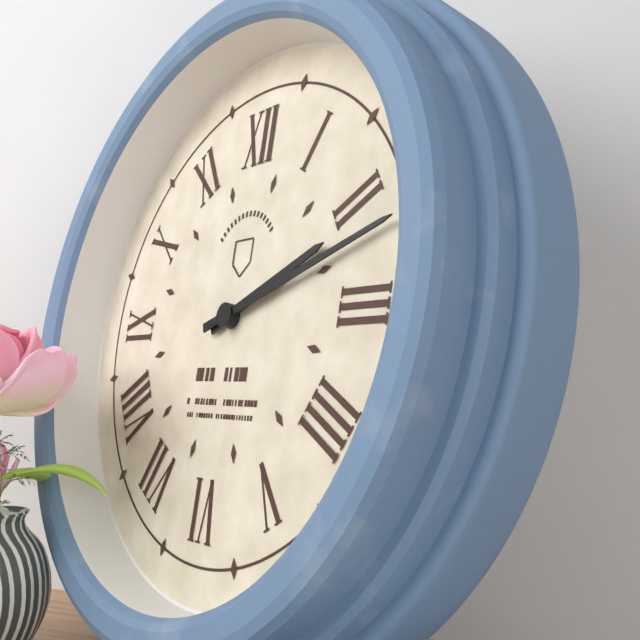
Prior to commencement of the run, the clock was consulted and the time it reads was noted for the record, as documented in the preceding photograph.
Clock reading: 2:12
